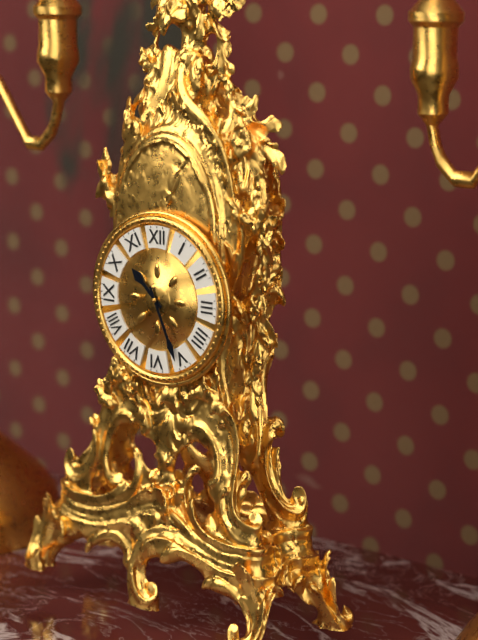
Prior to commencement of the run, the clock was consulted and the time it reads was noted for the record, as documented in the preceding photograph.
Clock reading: 10:26
